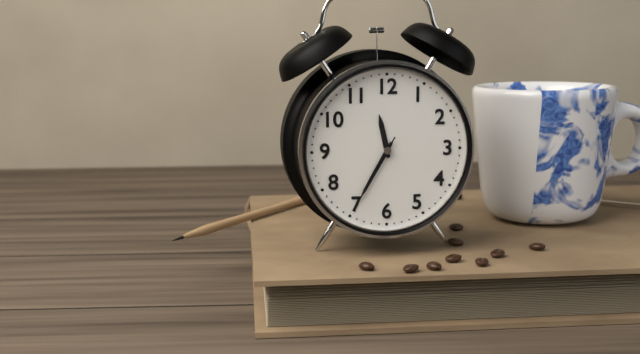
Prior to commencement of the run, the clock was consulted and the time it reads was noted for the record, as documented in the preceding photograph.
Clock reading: 11:35:35
